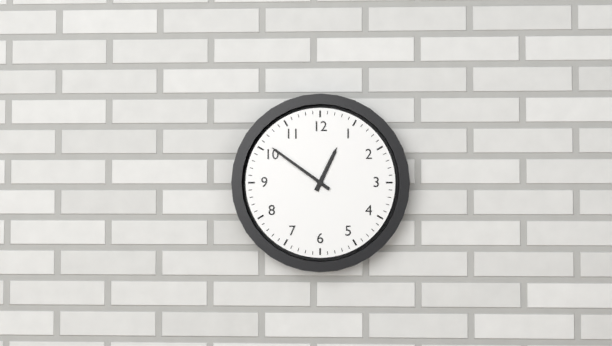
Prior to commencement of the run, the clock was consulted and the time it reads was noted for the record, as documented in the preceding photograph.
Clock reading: 12:51
